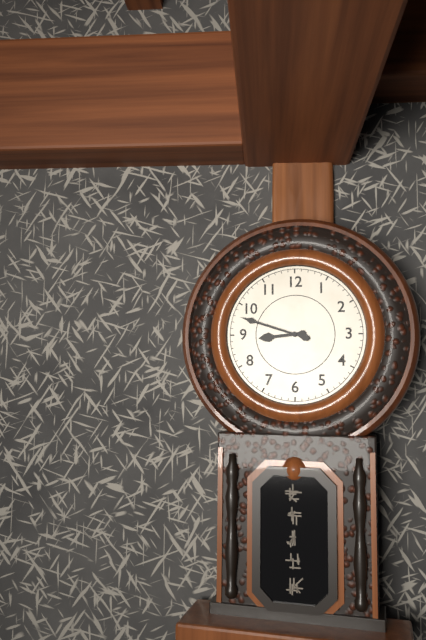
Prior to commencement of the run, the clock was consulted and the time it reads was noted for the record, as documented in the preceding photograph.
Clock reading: 8:48
